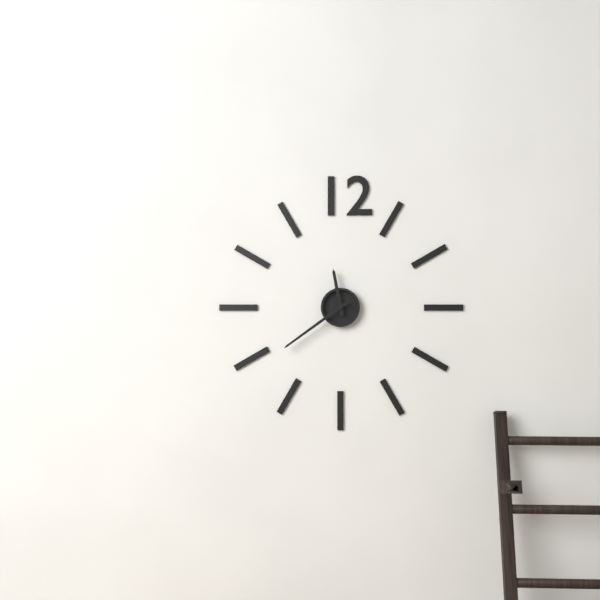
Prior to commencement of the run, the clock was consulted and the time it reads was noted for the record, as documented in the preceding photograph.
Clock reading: 11:39
